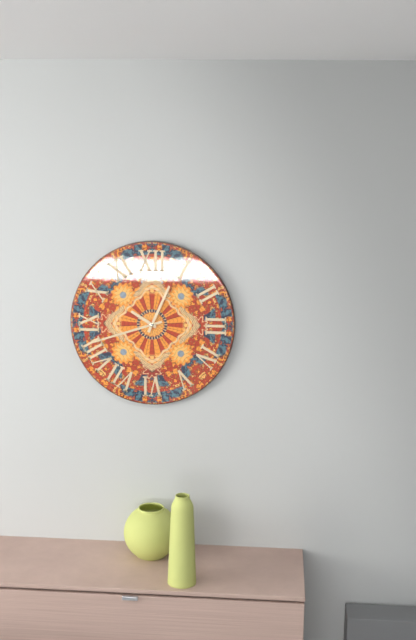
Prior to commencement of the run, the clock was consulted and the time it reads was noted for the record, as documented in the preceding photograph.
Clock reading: 10:04:42
